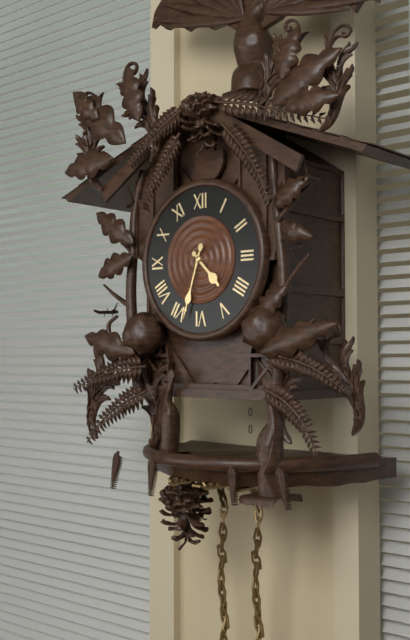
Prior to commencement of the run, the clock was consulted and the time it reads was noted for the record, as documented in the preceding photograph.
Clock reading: 4:33
